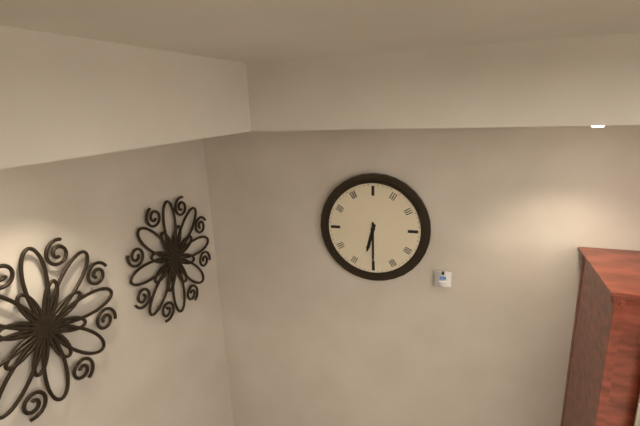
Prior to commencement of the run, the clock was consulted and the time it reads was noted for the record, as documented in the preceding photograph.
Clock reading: 6:30
